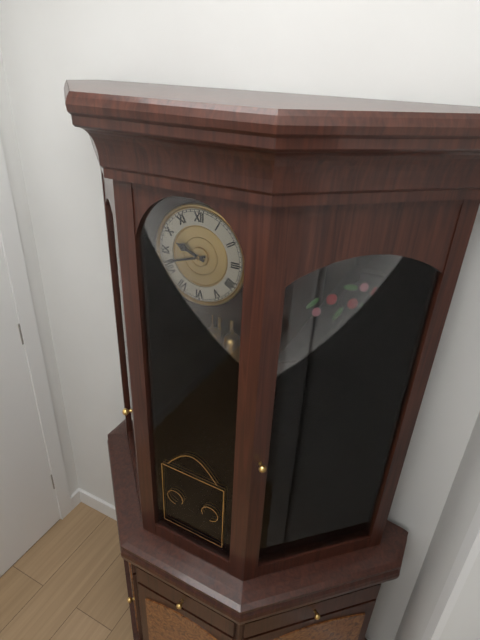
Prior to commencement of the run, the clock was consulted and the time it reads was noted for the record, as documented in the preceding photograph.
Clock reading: 9:42
